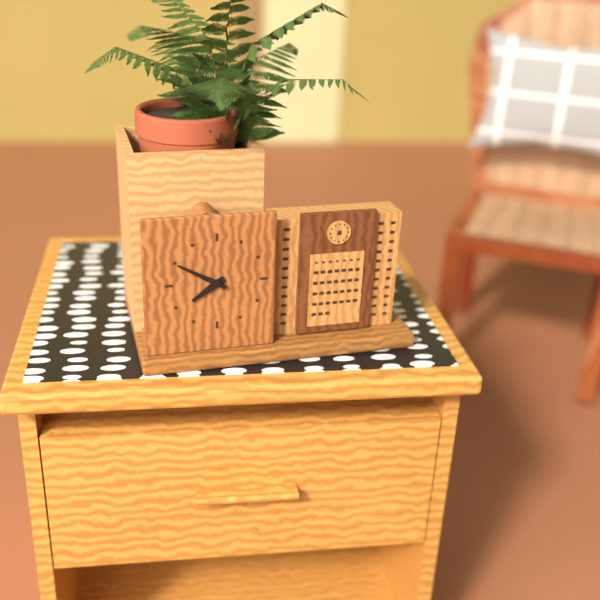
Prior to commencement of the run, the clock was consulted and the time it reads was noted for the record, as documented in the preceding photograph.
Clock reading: 7:50
